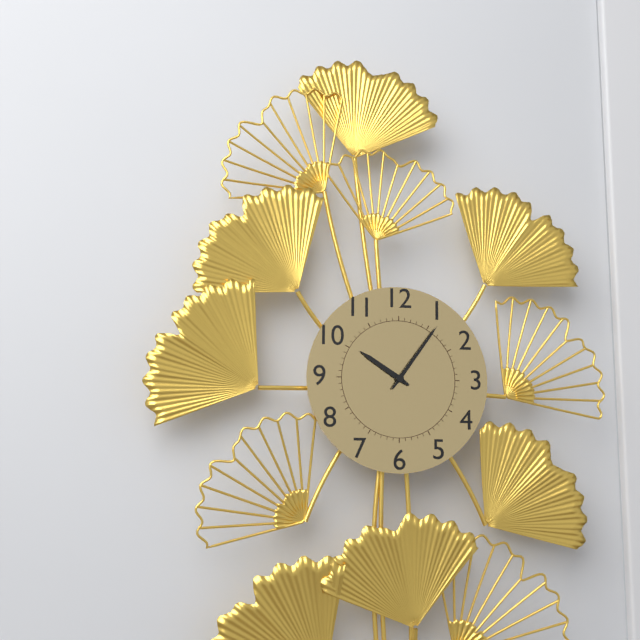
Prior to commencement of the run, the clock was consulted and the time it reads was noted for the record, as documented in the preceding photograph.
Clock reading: 10:06
